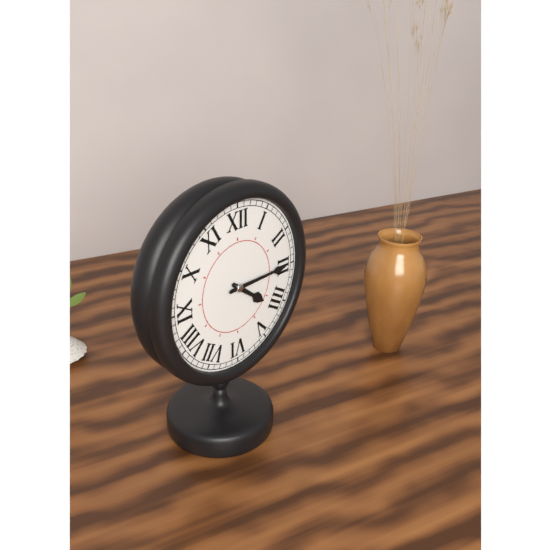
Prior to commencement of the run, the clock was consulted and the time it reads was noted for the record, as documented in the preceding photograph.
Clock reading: 4:15
